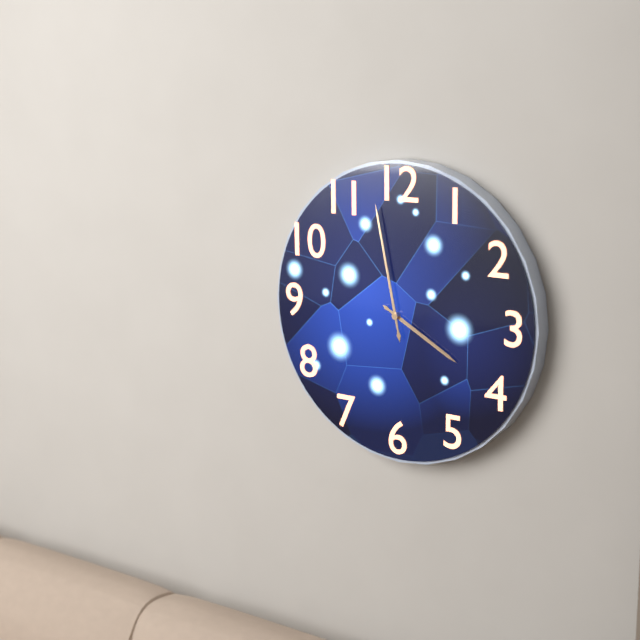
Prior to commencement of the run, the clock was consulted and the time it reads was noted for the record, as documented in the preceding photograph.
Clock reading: 3:58
